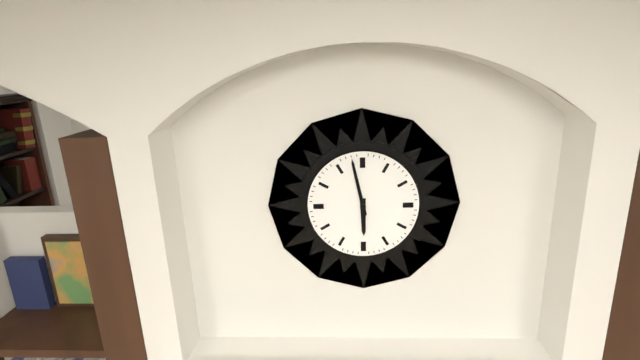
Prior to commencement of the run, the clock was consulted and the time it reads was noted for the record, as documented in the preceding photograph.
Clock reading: 5:58
